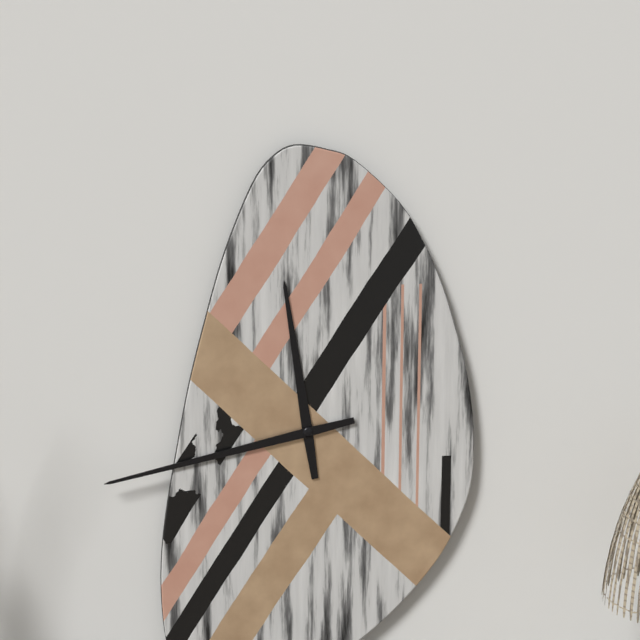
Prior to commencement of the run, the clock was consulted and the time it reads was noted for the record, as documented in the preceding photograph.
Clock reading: 11:43
